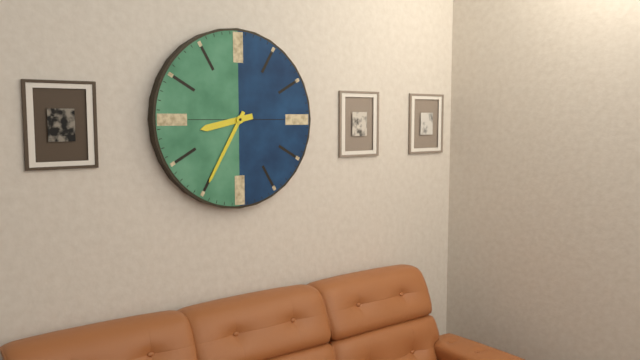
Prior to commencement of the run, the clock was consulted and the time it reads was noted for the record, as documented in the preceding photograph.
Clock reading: 8:35
